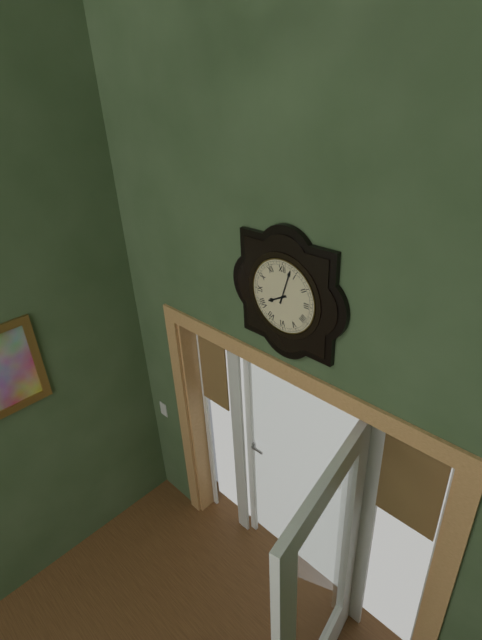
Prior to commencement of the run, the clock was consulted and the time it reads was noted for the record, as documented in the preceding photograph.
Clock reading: 8:03
